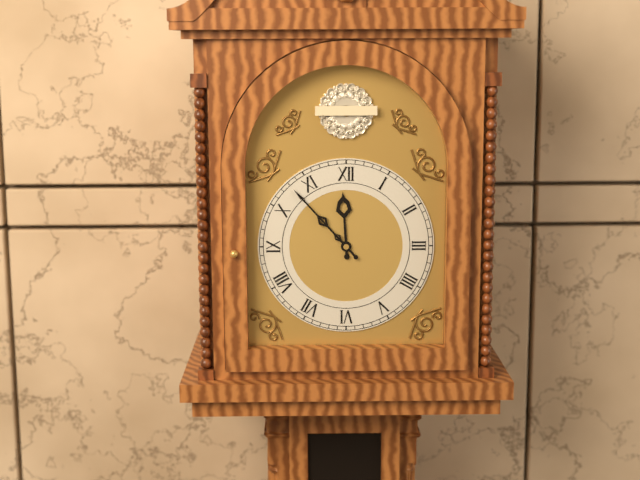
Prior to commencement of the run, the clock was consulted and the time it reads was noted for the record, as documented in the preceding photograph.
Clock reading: 11:53
